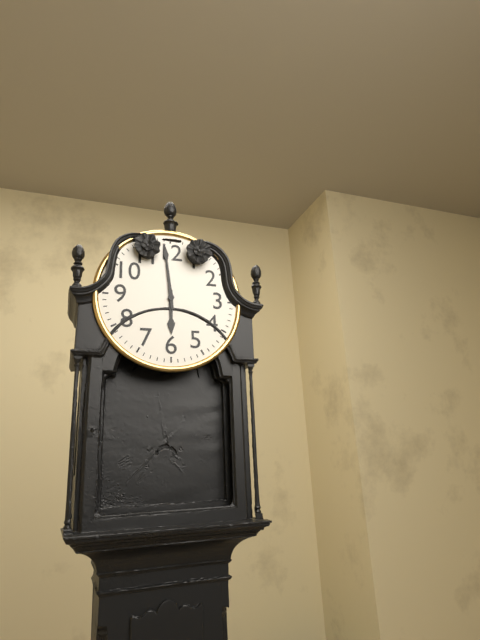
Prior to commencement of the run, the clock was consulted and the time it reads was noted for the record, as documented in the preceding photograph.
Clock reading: 5:59
